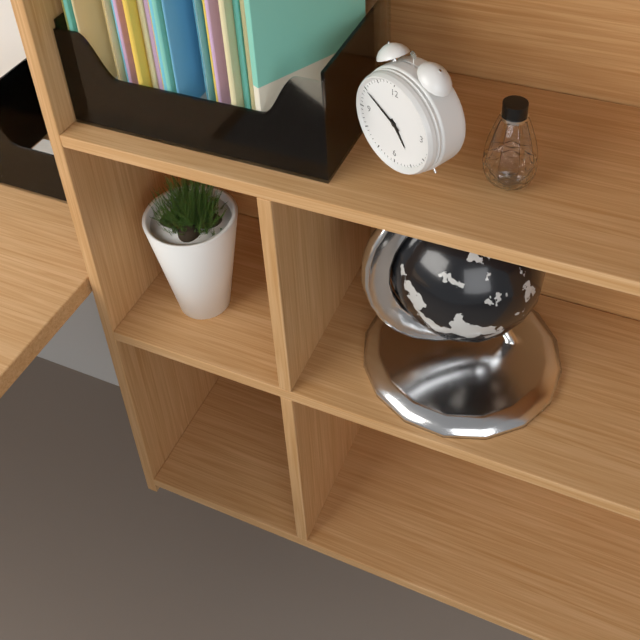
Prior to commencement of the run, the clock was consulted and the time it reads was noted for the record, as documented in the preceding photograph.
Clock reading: 4:50
